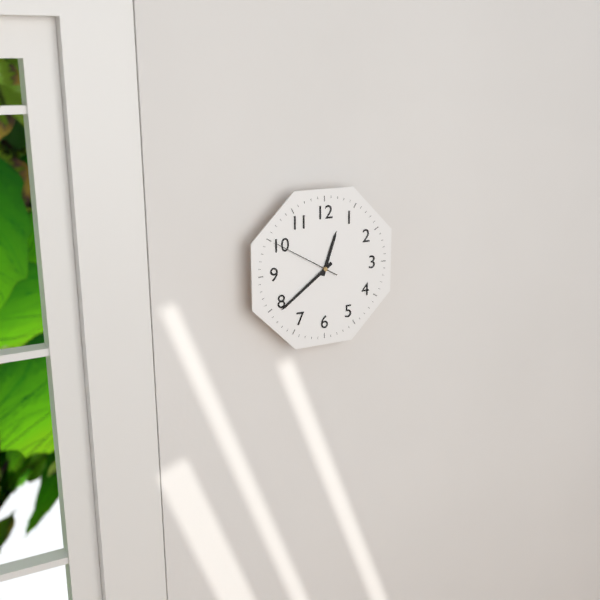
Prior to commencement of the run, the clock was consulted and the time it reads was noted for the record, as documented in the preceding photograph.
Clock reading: 12:39:50
